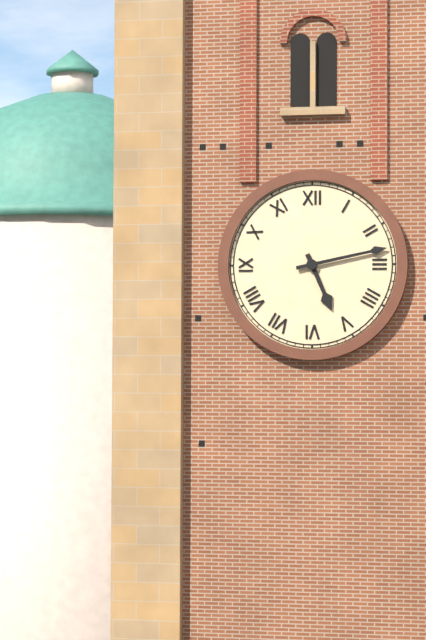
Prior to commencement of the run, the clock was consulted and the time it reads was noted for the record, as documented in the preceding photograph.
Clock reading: 5:13
